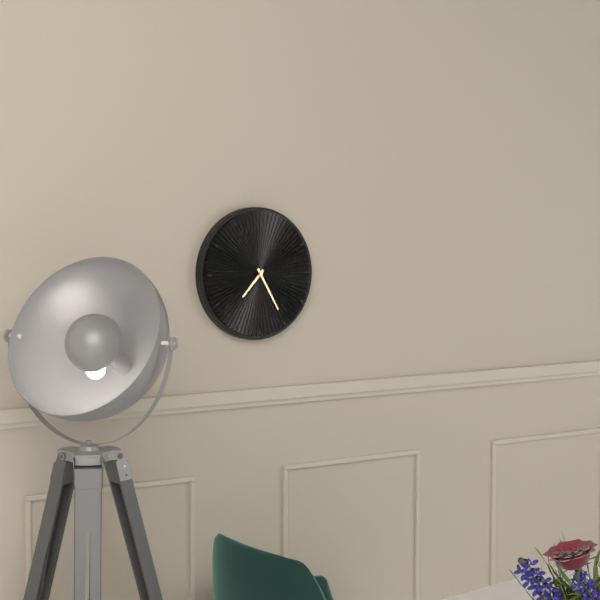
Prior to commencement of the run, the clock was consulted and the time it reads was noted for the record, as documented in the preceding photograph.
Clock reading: 7:25
